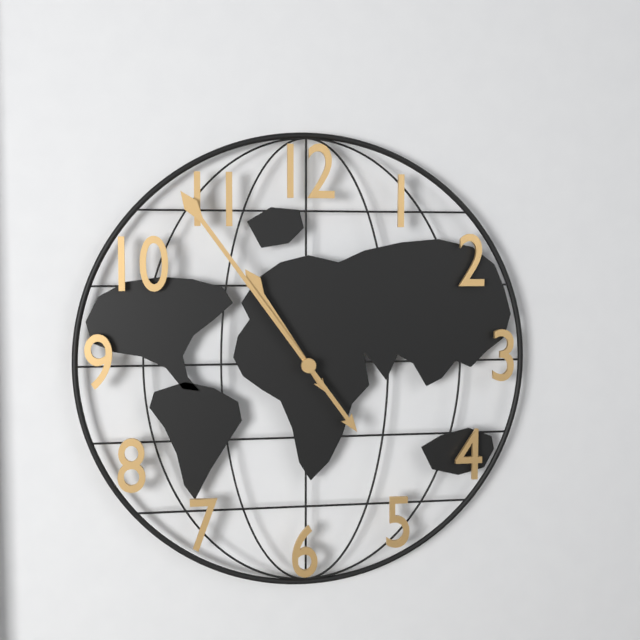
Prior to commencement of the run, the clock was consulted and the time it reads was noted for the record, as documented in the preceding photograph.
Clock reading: 10:54
